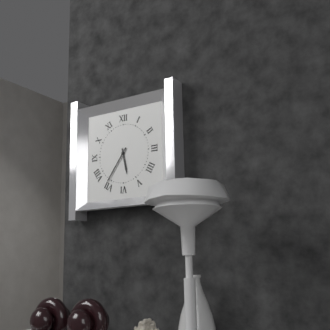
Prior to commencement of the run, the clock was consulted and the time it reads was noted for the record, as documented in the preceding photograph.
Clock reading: 5:36
